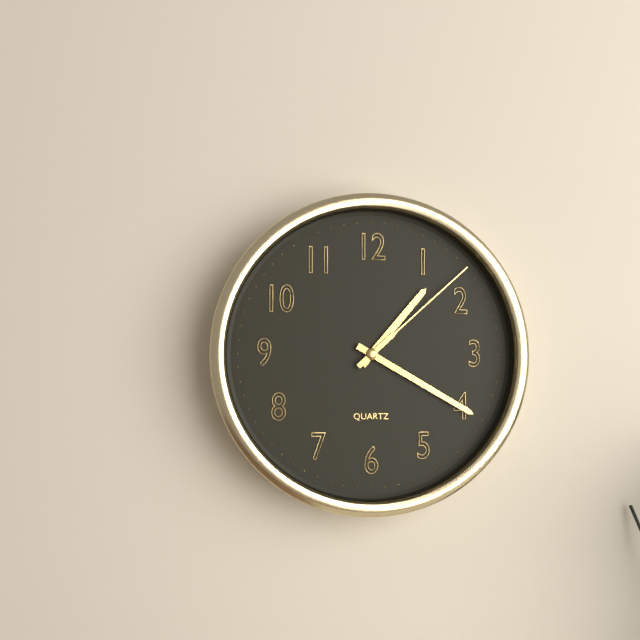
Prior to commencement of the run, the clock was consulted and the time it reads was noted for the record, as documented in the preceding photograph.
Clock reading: 1:20:08
